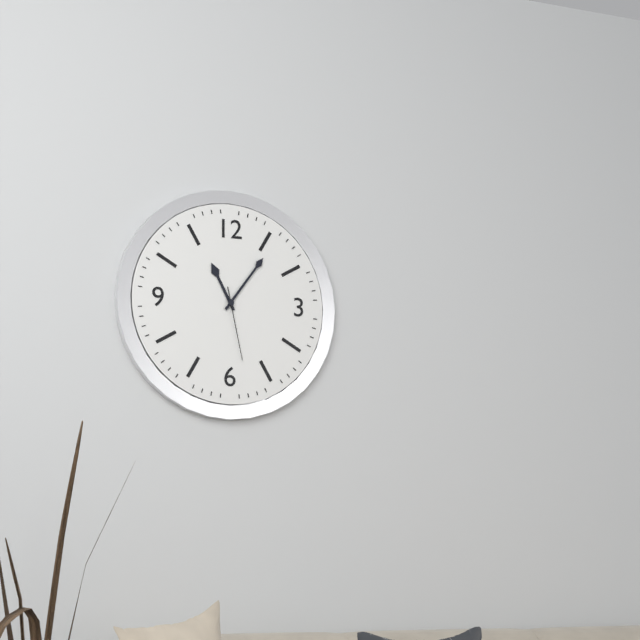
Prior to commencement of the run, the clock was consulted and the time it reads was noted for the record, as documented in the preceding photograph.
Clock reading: 11:06:28
